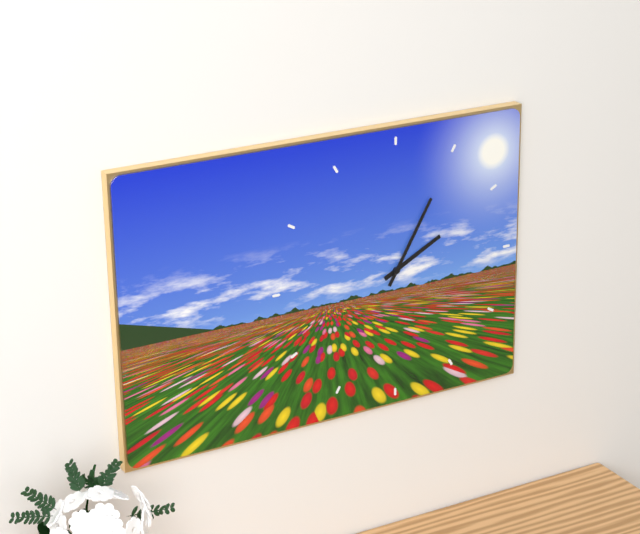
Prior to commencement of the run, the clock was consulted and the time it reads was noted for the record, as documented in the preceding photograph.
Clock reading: 2:05
